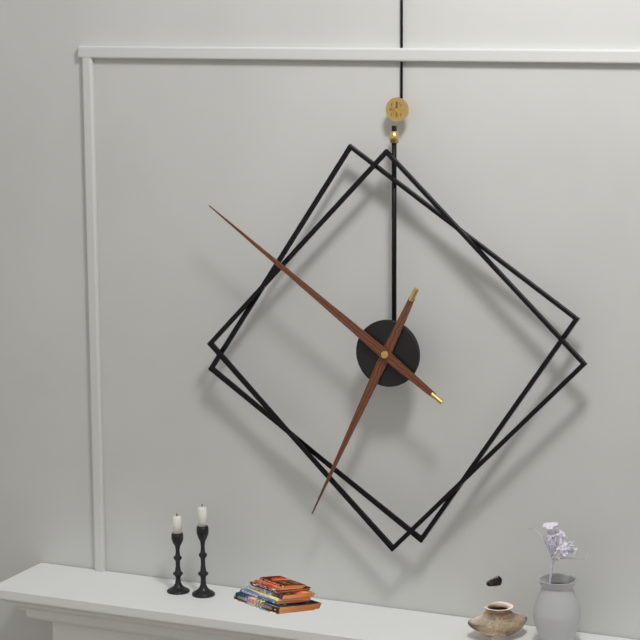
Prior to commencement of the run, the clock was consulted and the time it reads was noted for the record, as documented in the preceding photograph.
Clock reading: 6:51
